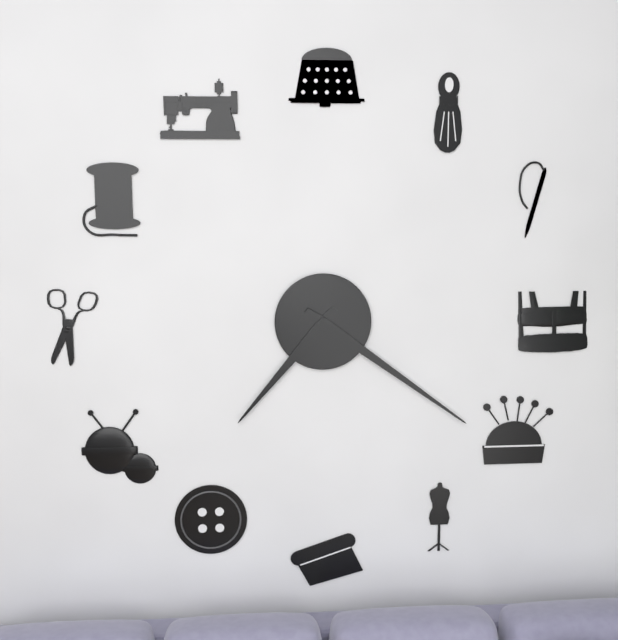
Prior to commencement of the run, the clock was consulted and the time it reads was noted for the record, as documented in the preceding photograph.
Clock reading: 7:21
